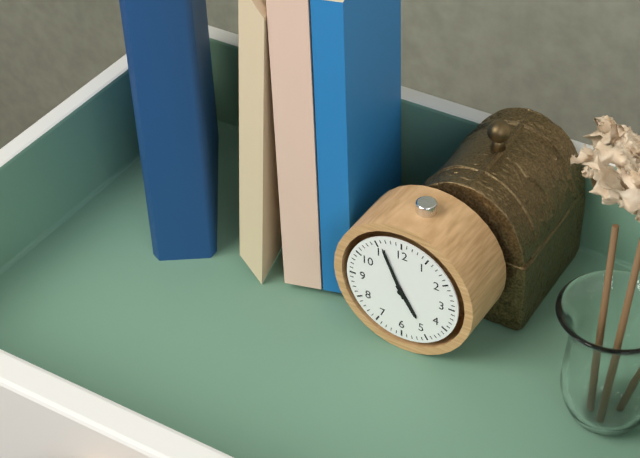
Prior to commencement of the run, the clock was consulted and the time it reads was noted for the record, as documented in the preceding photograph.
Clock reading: 4:56
